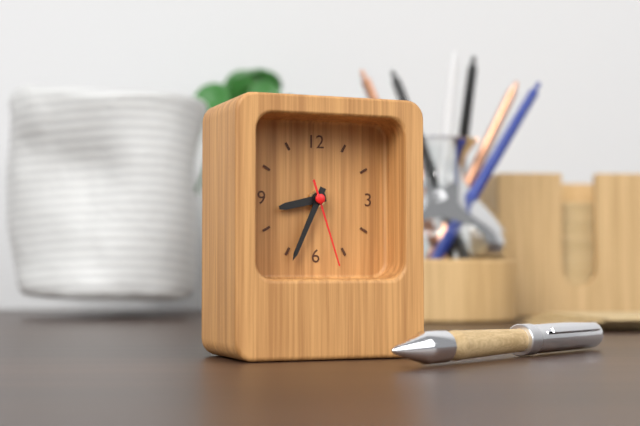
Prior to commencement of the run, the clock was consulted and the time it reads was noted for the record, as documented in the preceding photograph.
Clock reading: 8:34:27
